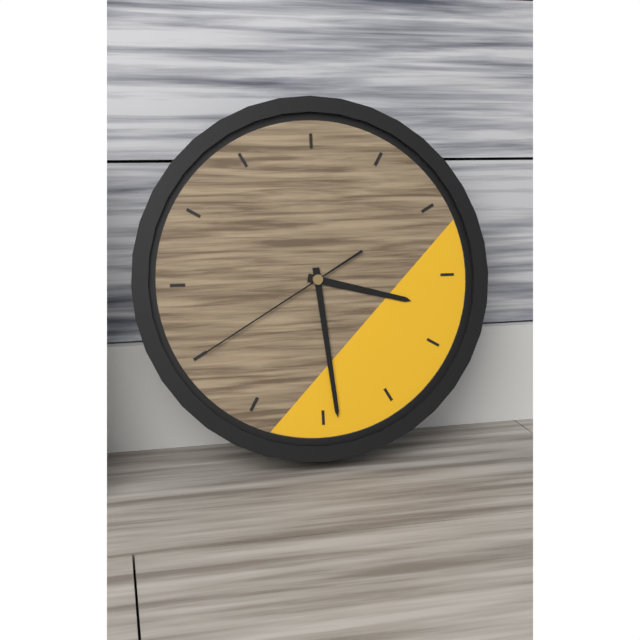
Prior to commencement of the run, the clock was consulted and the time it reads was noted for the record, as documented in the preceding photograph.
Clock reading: 3:29:40
